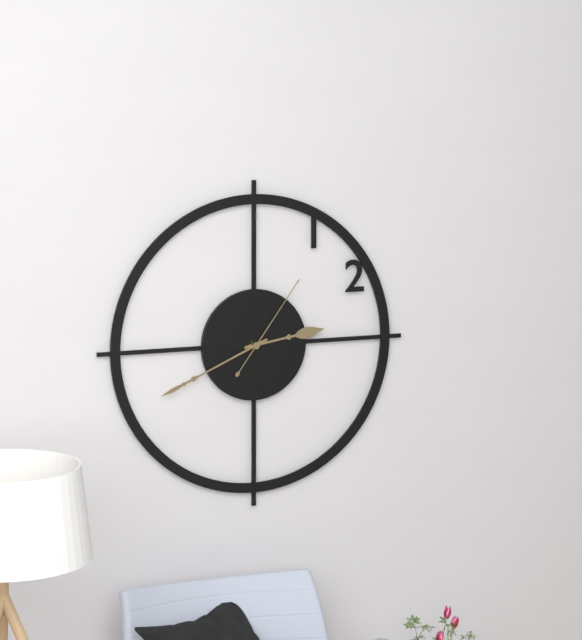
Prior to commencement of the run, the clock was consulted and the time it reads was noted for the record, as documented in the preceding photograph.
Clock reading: 2:41:06
